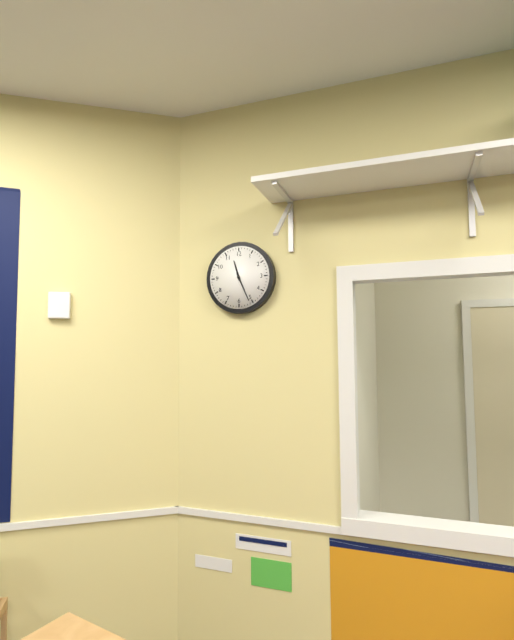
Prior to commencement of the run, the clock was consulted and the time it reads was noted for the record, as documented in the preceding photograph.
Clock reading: 11:26
